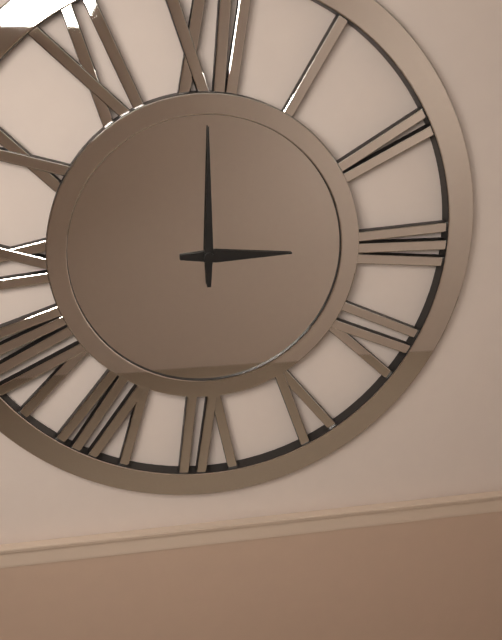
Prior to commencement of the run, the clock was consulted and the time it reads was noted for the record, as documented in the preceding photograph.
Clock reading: 3:00
